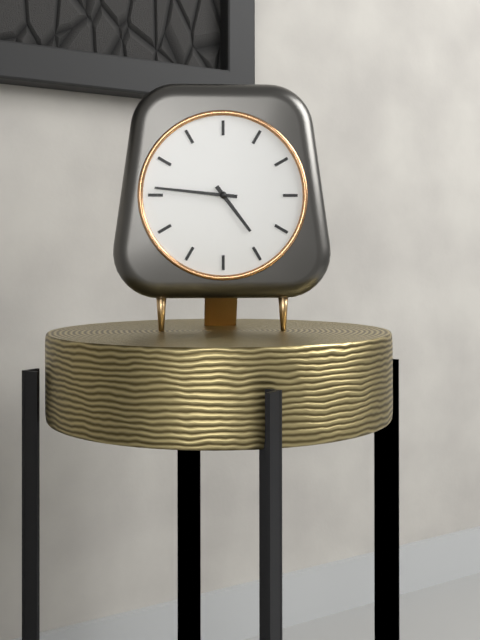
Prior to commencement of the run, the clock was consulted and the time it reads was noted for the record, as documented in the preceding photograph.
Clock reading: 4:46
